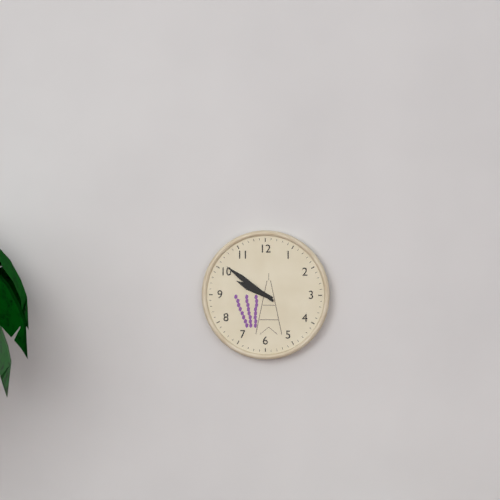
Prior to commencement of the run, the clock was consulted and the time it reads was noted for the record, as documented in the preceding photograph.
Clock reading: 9:51
